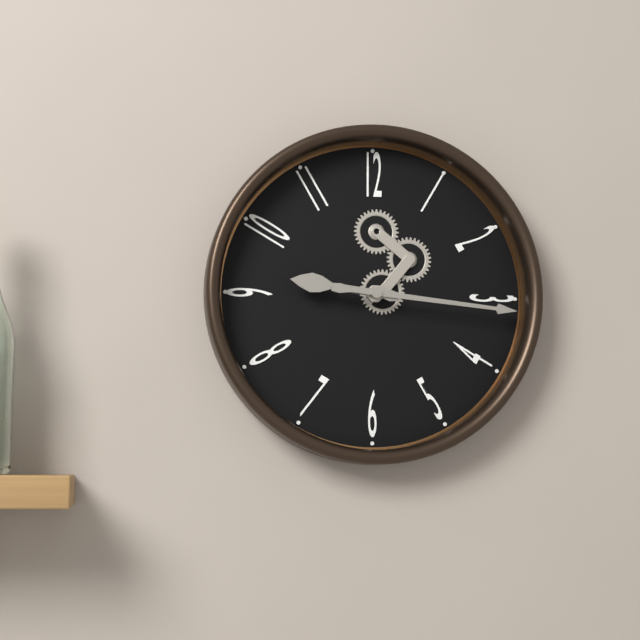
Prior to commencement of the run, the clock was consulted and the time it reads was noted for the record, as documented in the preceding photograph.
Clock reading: 9:16
